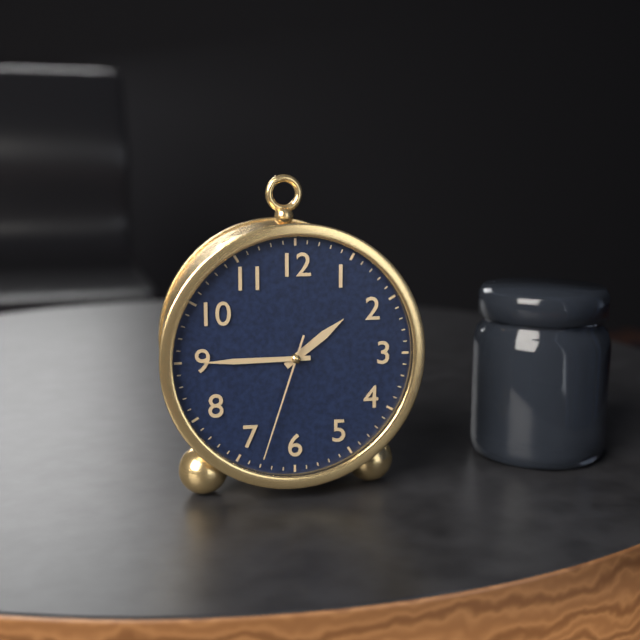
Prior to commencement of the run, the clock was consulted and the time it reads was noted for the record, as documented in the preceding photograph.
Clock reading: 1:45:33
